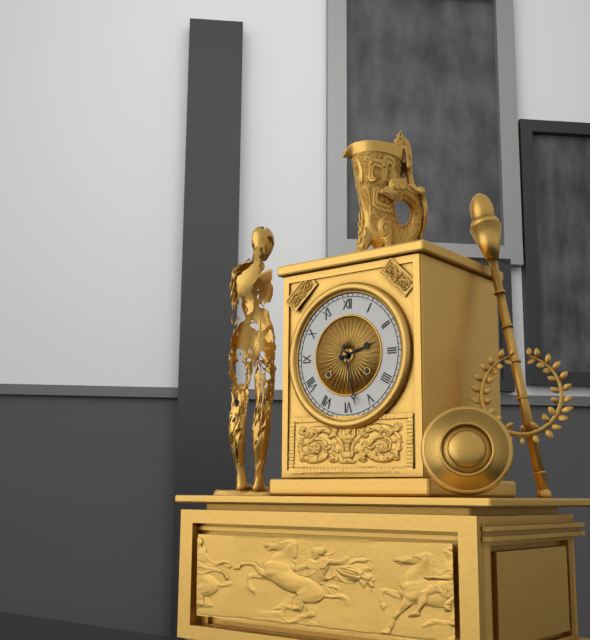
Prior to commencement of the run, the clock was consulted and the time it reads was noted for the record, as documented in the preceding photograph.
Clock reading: 2:28
